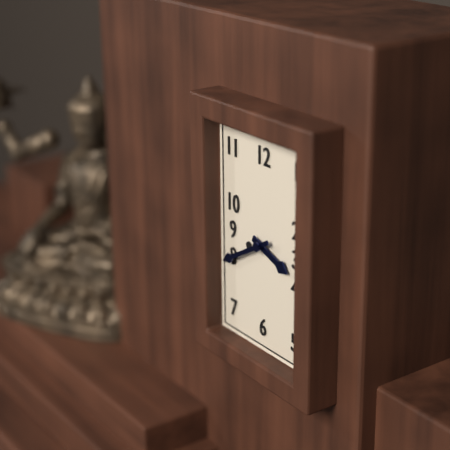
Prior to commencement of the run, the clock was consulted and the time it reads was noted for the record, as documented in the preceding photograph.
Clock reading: 3:40
